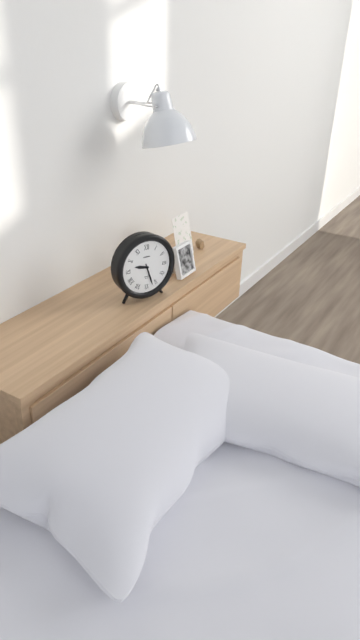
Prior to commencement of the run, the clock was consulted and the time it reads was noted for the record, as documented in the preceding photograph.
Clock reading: 9:27
